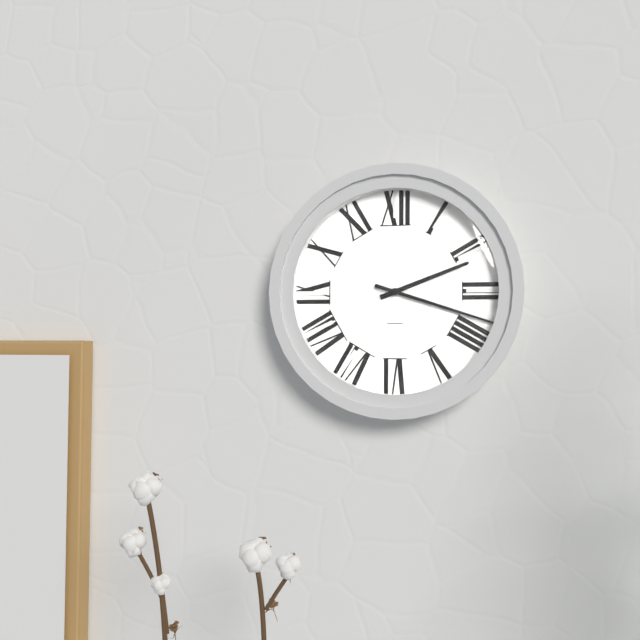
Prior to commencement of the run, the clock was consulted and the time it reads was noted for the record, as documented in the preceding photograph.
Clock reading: 2:18
